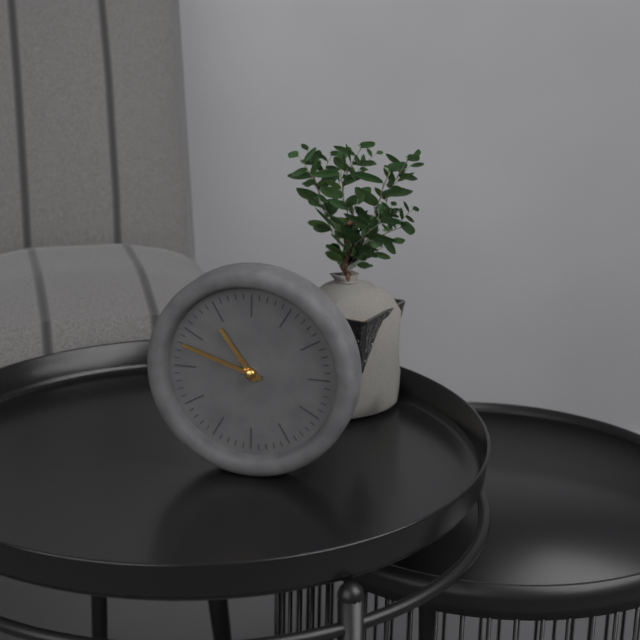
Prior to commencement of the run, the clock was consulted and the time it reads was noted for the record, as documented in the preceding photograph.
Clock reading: 10:48
